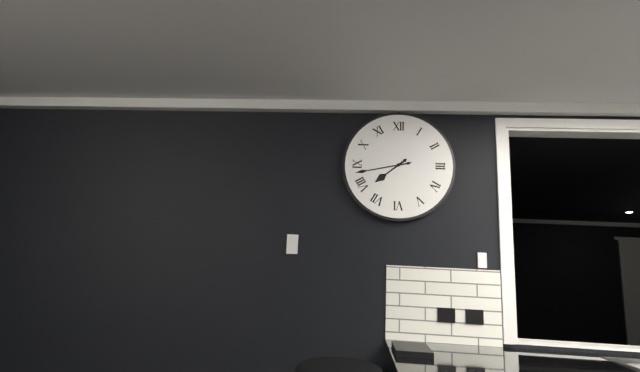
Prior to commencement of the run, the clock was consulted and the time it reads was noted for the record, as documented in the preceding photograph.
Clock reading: 7:43
